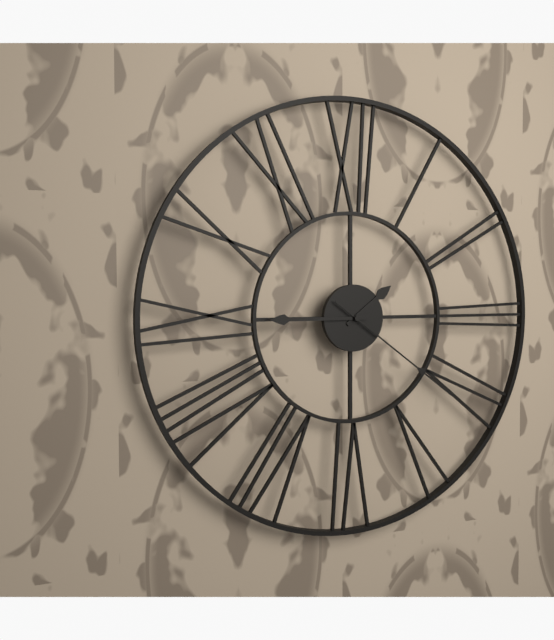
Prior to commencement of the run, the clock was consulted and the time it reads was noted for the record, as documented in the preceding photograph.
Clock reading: 1:45:21
